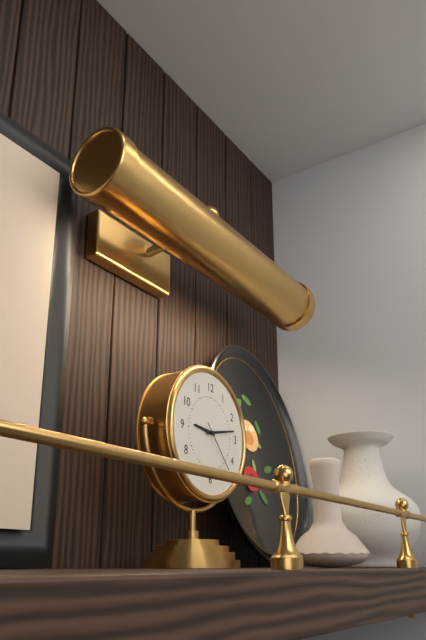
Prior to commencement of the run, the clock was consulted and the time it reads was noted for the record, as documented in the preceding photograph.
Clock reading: 9:13:23
